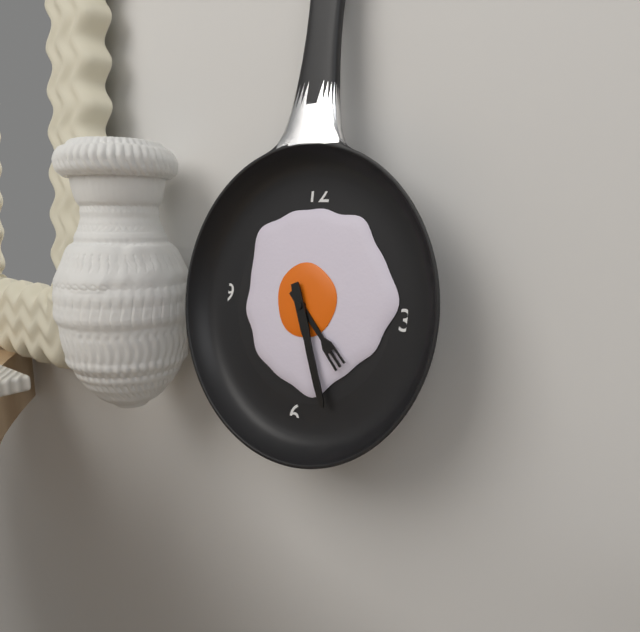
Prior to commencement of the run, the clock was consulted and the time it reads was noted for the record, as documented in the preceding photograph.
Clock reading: 4:26
